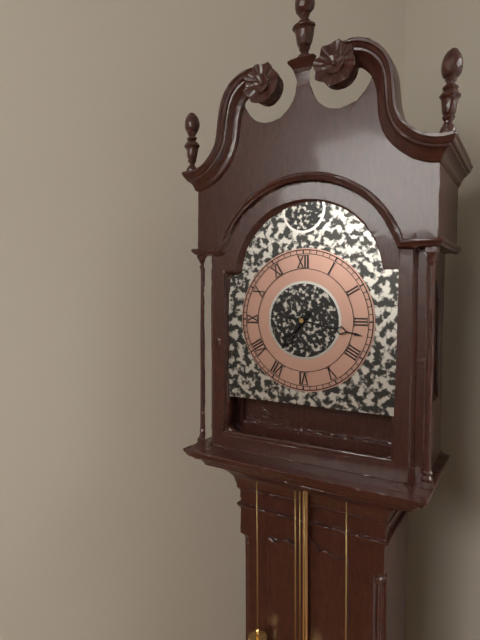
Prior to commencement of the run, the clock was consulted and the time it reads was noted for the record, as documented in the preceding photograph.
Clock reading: 7:17
